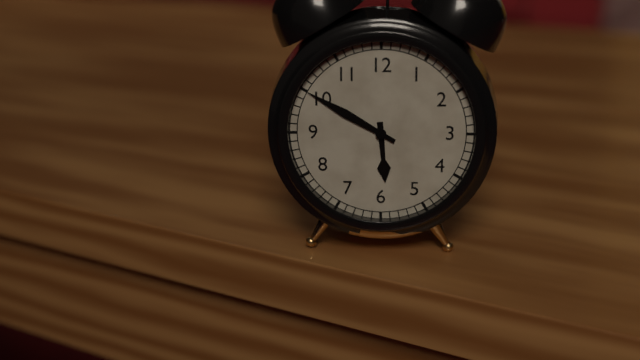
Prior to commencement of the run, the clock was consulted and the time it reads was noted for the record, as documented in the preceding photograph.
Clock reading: 5:50
